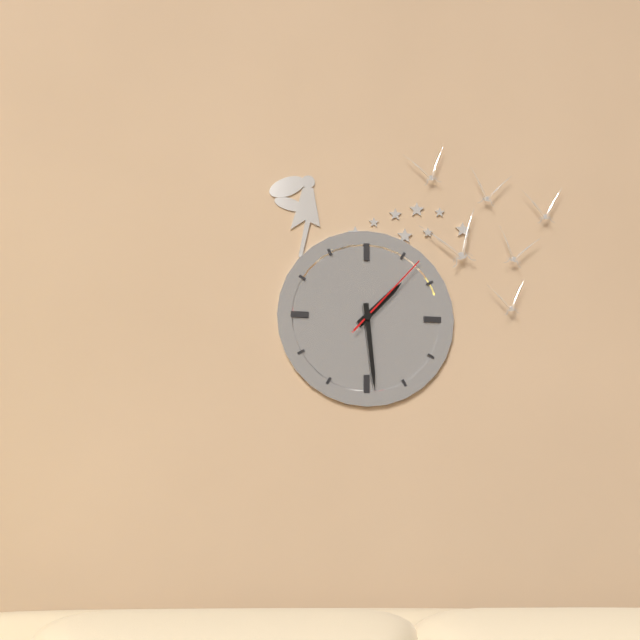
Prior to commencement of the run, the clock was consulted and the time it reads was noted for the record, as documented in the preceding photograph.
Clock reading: 1:29:07
